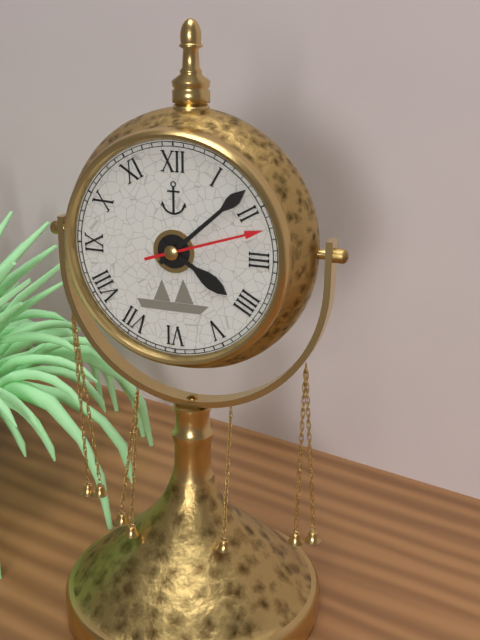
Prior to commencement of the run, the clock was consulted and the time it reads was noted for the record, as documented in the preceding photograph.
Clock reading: 4:08:12
